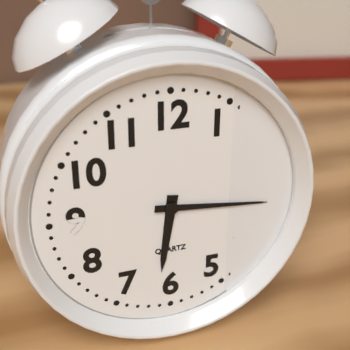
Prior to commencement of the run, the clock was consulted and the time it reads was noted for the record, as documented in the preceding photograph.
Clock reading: 6:16
